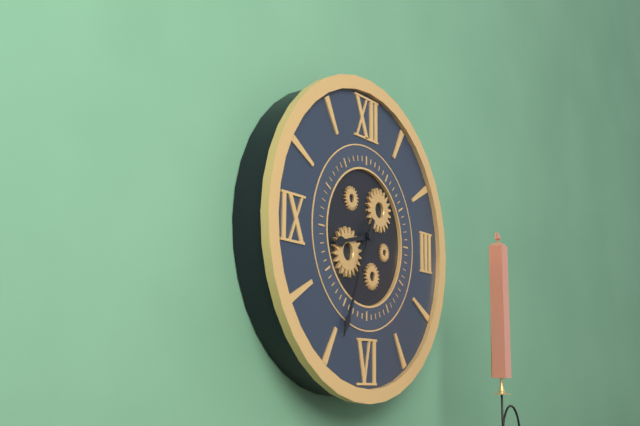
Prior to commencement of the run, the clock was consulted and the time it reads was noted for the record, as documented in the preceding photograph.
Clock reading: 8:34
